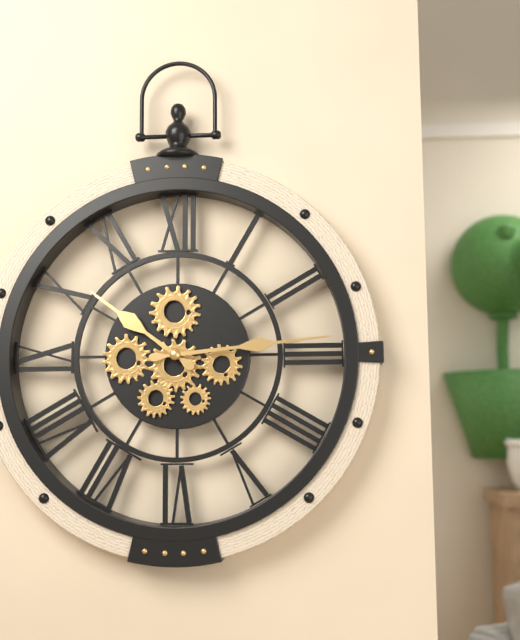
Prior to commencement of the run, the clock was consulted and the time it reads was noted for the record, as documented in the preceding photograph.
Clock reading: 10:14
